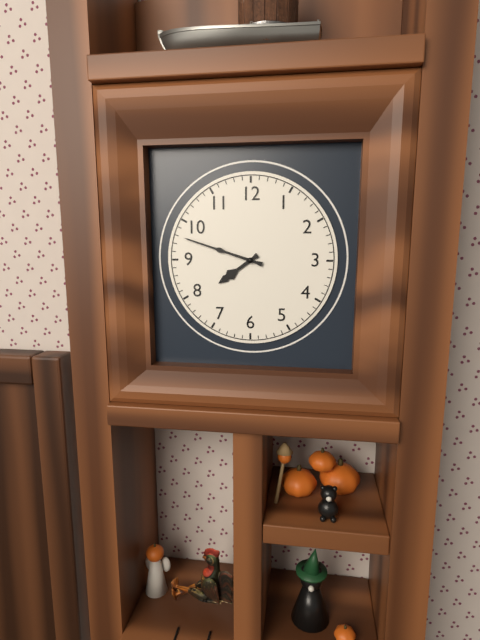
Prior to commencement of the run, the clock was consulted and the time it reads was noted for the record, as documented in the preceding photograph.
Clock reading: 7:48
